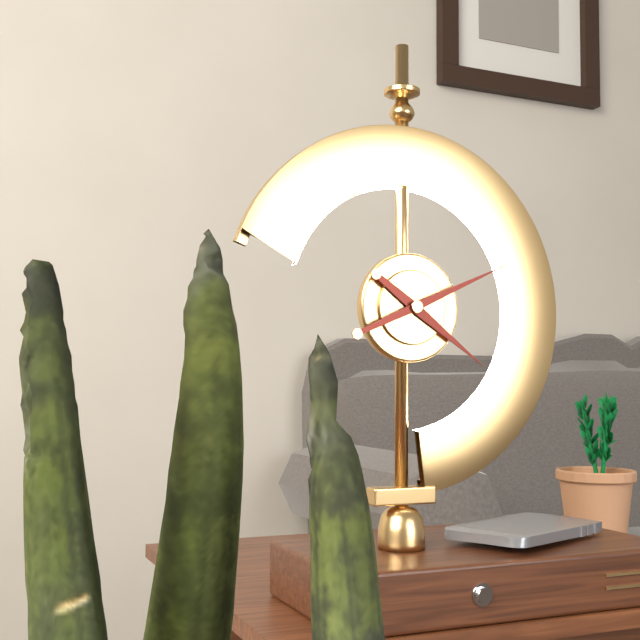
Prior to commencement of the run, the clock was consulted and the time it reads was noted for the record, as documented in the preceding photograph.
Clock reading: 4:11
